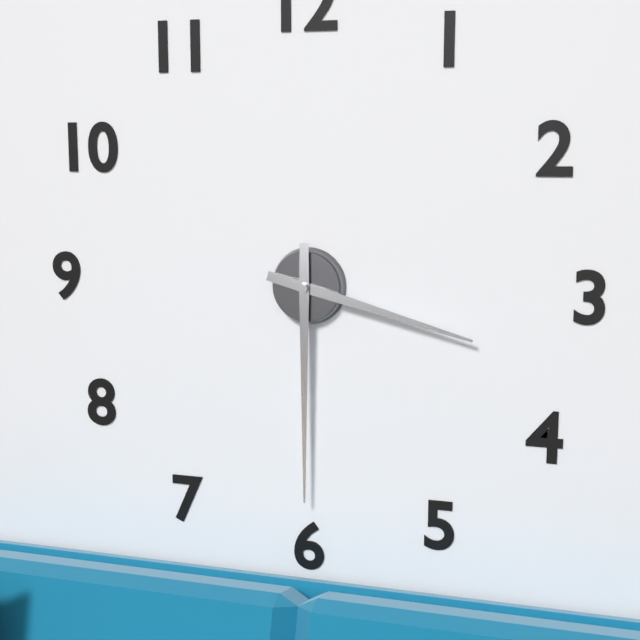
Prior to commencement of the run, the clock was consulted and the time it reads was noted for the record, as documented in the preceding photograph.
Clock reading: 3:30
